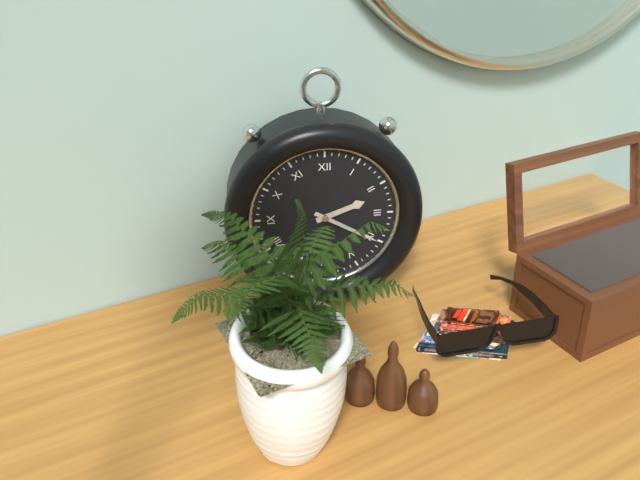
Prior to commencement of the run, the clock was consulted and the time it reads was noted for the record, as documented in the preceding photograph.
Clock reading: 2:20
